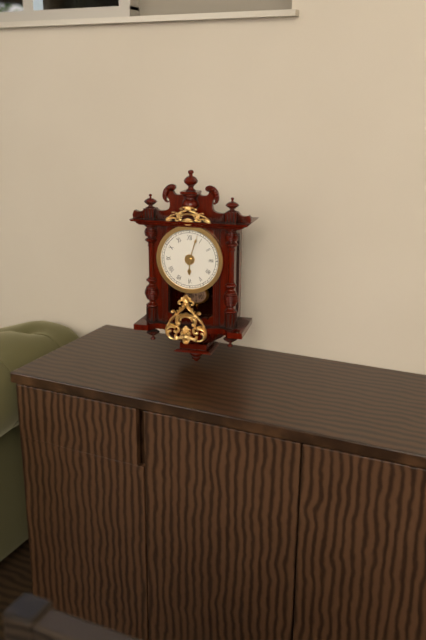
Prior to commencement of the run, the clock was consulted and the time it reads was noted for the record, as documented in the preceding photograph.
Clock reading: 6:03
